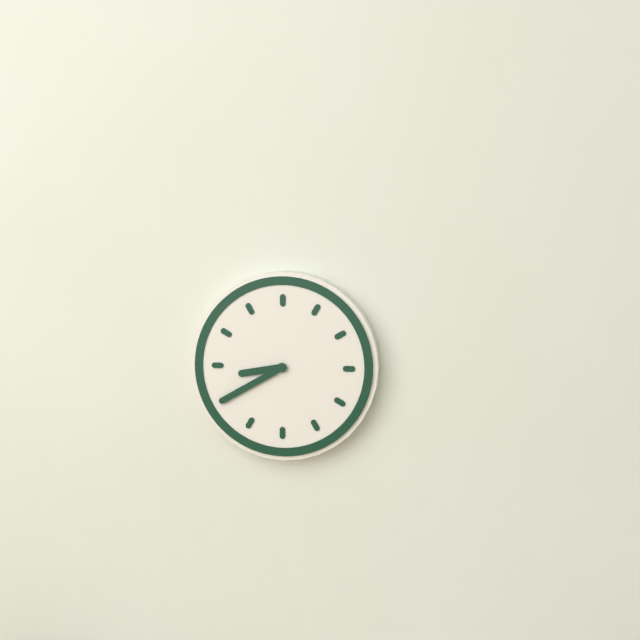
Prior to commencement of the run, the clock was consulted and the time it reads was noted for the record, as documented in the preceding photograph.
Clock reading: 8:40
